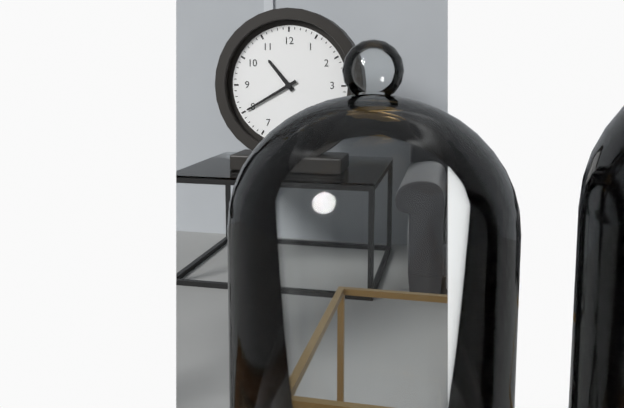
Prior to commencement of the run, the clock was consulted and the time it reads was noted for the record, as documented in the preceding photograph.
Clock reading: 10:40
